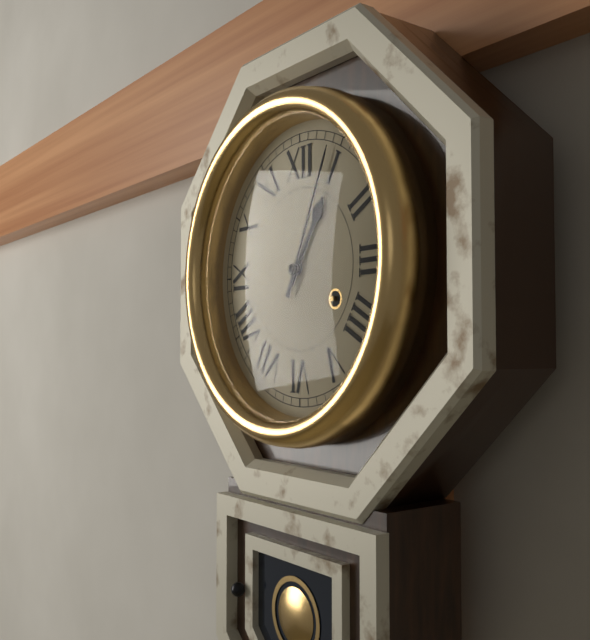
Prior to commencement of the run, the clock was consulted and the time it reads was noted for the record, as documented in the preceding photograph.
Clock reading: 1:04
